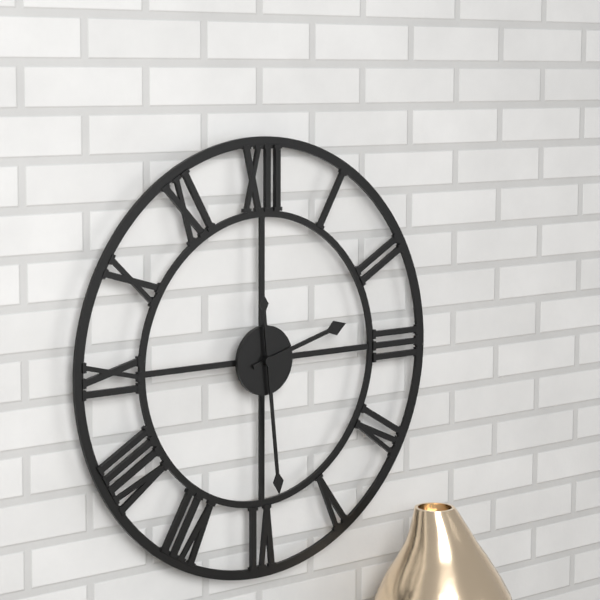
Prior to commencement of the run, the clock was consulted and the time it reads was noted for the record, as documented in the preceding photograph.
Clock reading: 2:29
